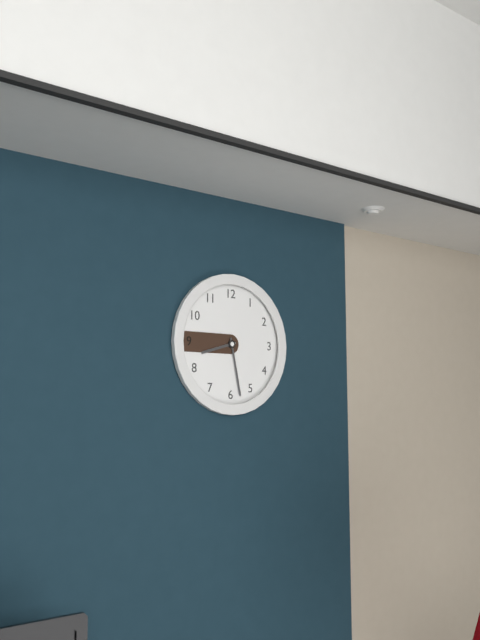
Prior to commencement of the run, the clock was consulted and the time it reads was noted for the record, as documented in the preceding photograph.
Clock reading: 8:28
